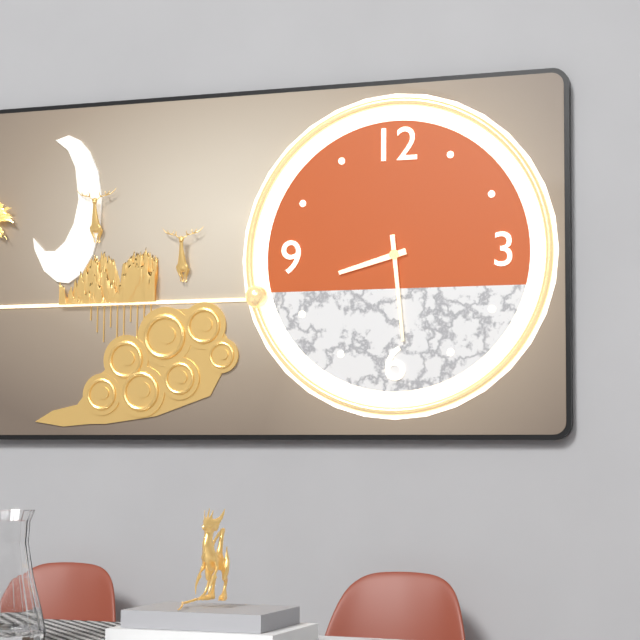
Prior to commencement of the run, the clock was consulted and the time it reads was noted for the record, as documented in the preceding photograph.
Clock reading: 8:29
